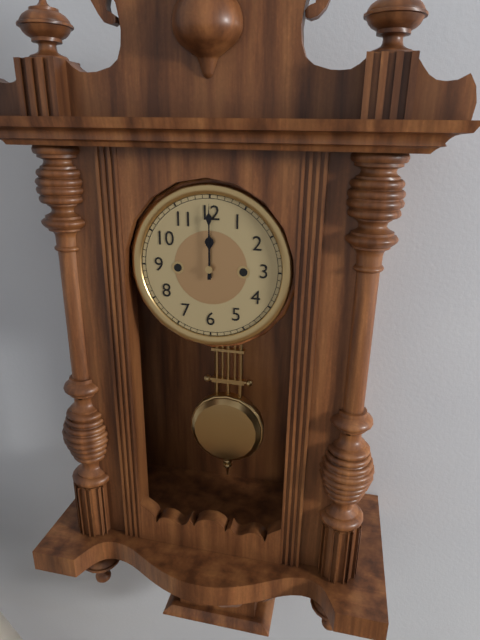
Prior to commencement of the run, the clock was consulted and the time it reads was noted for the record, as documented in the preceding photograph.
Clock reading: 12:00
